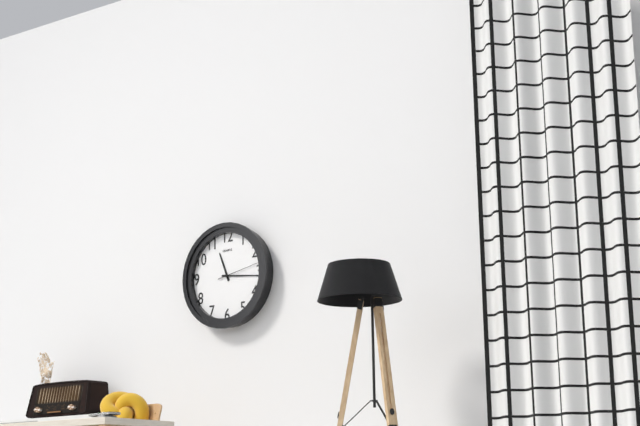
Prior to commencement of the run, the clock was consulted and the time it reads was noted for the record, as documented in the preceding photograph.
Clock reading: 11:16
